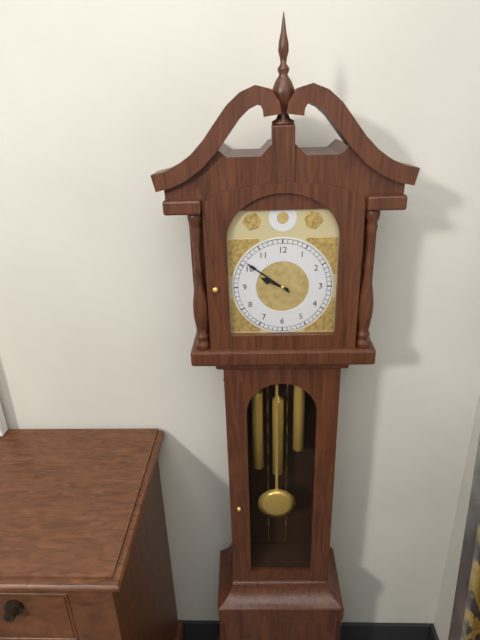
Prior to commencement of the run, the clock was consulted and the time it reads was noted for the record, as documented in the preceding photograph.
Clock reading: 9:51
